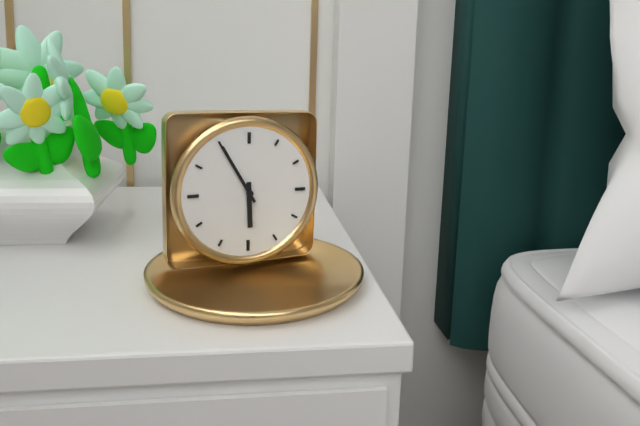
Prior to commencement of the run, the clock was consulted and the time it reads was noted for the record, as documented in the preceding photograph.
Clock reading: 5:55
